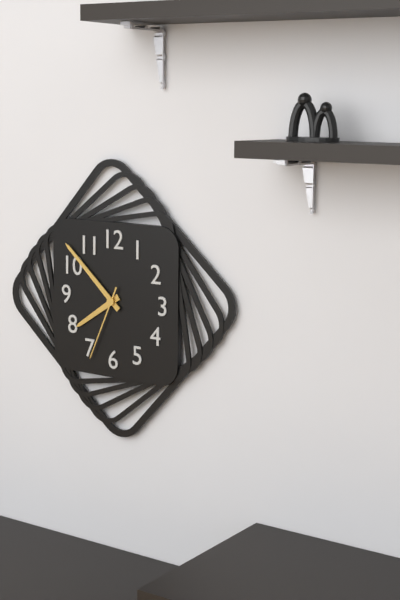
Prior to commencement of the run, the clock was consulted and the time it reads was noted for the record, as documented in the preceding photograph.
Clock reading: 7:52:34
